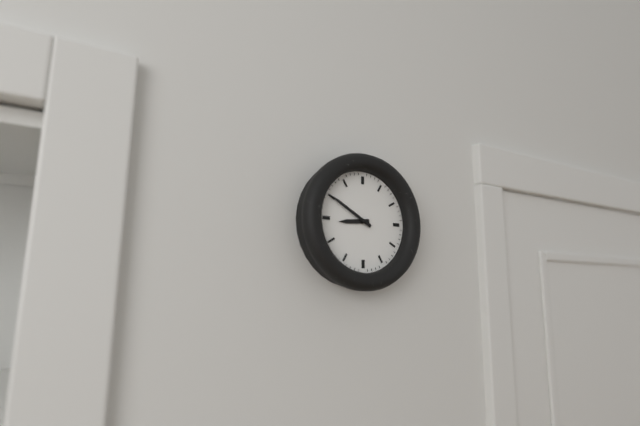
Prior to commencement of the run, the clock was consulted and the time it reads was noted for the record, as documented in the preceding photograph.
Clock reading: 8:50
